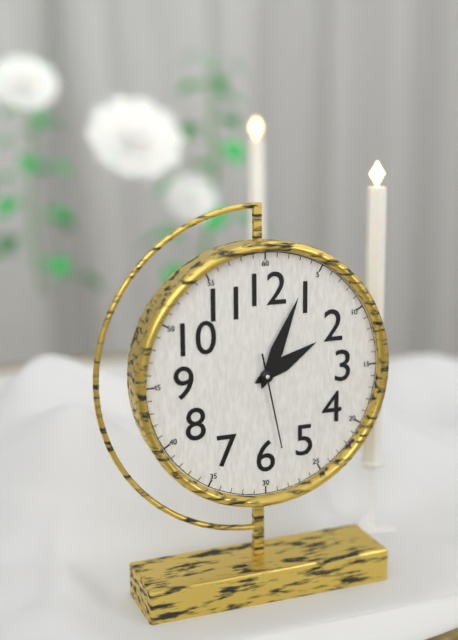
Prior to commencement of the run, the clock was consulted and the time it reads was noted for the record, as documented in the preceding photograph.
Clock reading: 2:04:28
